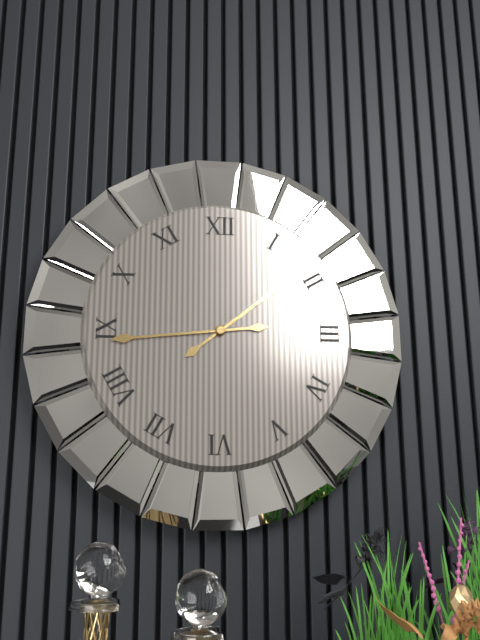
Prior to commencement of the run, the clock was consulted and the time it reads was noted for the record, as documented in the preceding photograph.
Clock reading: 1:44
